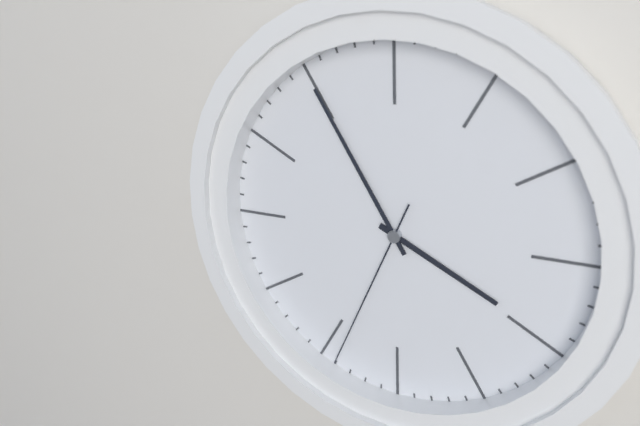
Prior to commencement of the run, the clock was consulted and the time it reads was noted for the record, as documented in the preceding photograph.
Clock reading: 3:55:34
